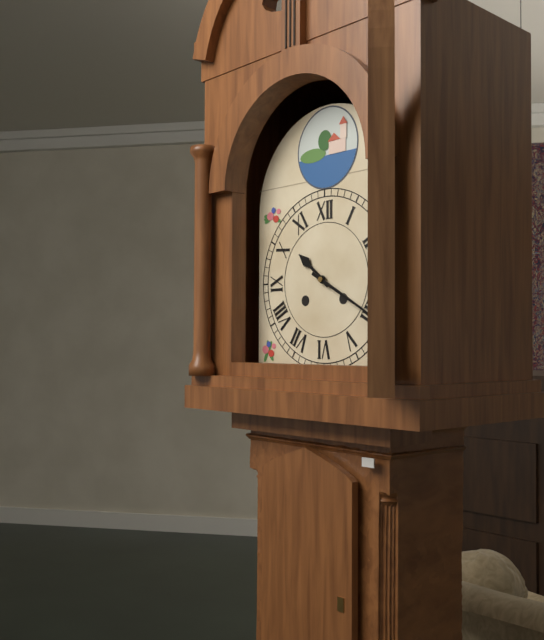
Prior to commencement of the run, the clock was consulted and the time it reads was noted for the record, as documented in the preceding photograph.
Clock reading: 10:20
